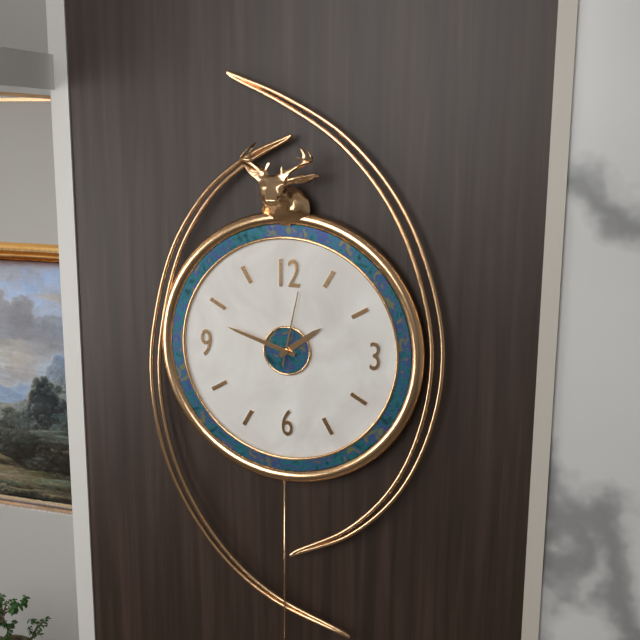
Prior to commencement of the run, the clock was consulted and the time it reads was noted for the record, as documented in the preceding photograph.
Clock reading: 1:48:02
